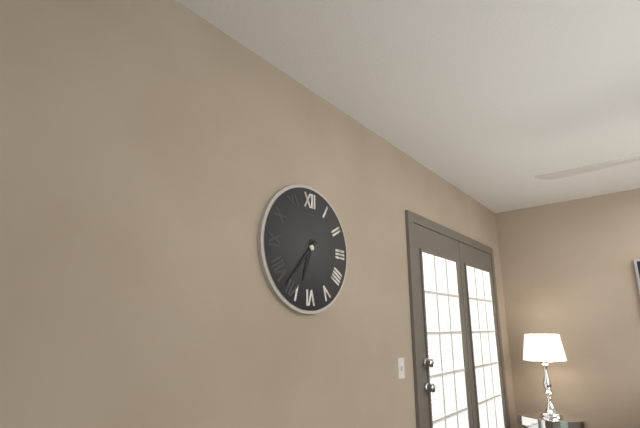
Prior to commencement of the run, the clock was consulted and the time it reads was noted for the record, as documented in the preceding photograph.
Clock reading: 6:37
